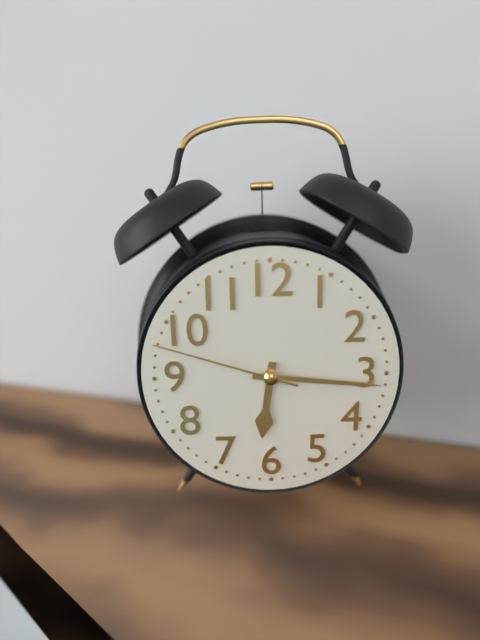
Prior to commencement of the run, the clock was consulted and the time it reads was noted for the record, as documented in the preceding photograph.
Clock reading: 6:16:48
